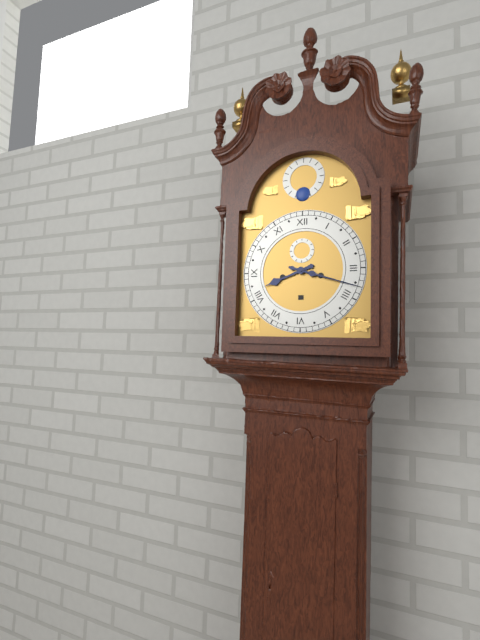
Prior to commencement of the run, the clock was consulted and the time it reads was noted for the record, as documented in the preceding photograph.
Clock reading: 8:18
